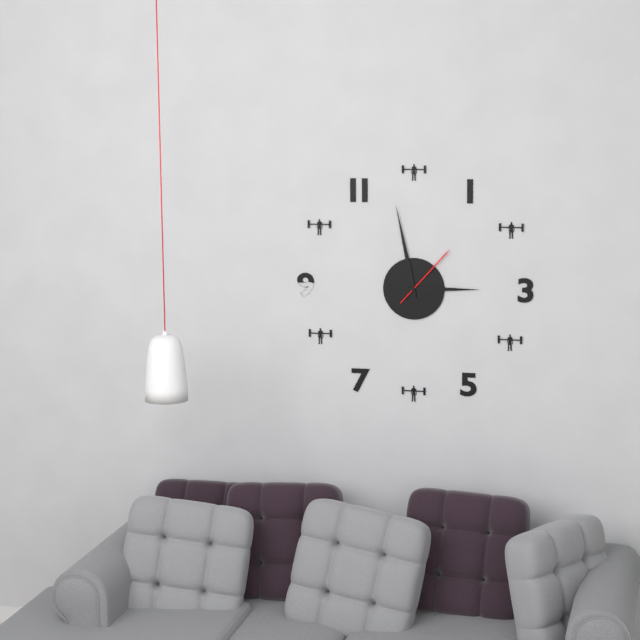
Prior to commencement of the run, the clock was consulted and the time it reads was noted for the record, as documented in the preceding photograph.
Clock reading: 2:58:07
